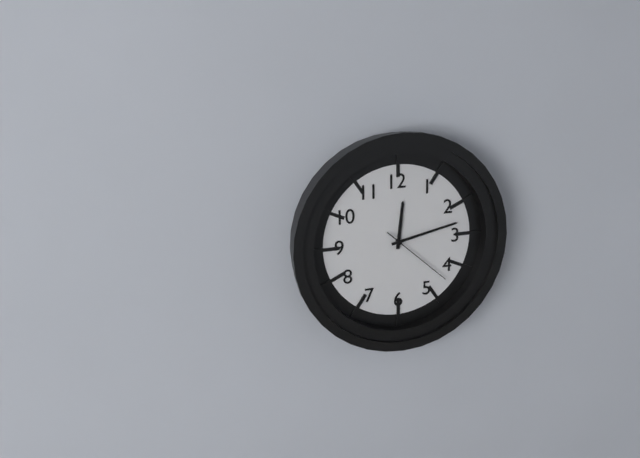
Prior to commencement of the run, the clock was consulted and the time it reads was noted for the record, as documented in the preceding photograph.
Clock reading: 12:13:22
